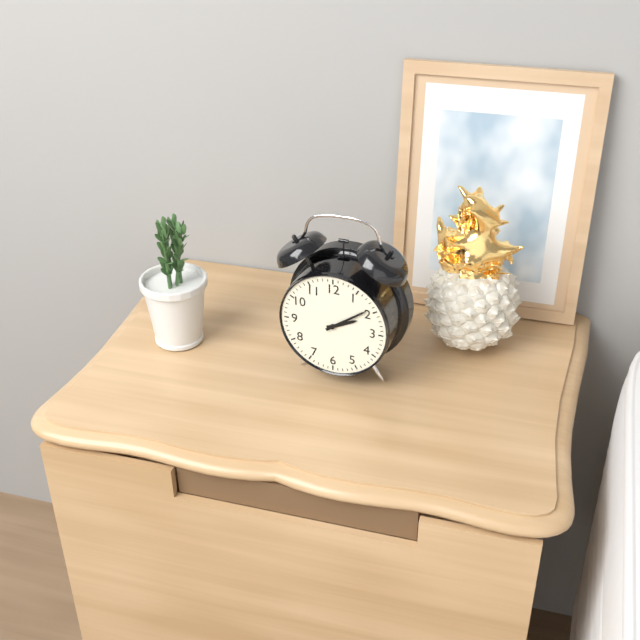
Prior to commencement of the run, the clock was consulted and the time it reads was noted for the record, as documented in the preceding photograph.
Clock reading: 2:09
